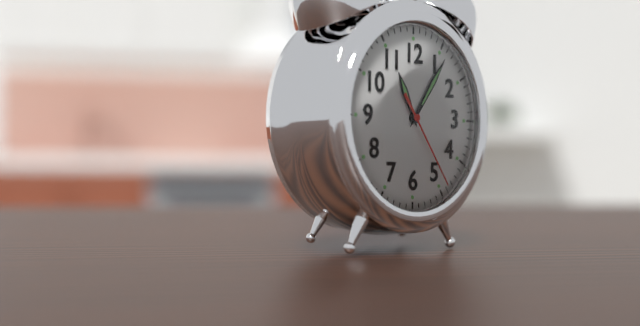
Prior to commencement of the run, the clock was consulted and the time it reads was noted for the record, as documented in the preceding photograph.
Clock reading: 11:06:24
